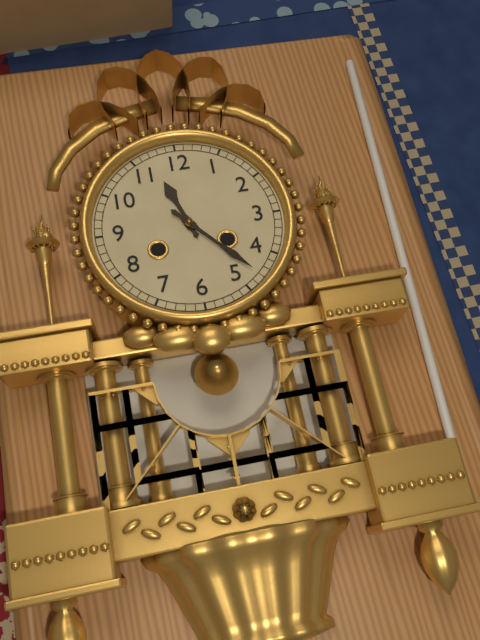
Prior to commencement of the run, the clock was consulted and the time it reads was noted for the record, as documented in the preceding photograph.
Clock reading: 11:23
